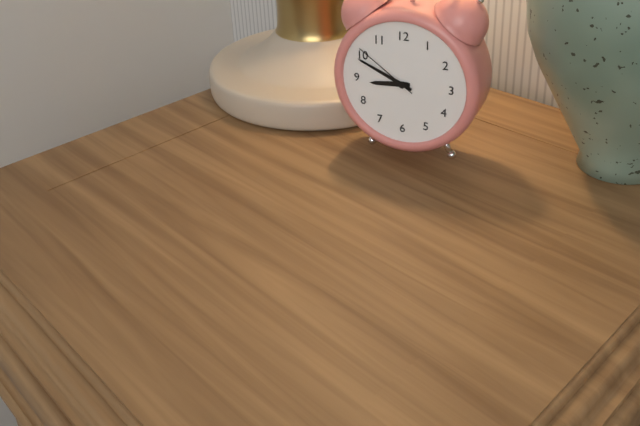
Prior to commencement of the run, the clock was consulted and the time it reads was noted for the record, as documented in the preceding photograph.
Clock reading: 8:49:51
